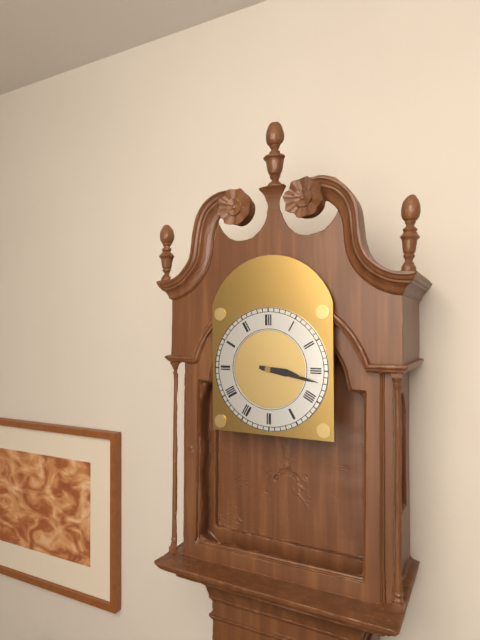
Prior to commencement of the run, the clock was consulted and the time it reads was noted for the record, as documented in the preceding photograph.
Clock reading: 3:17
